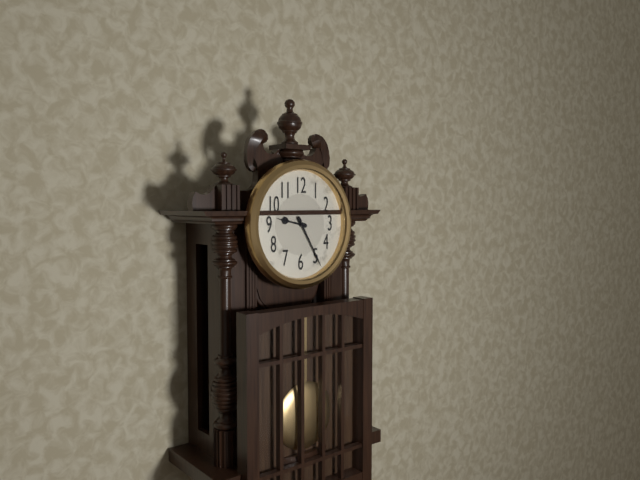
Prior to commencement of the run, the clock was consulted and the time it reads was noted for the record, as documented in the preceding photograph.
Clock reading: 9:25
